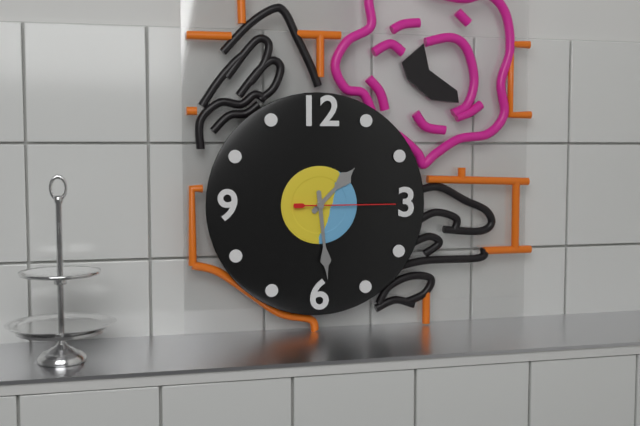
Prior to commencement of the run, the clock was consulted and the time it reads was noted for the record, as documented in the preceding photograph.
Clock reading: 1:29:15
